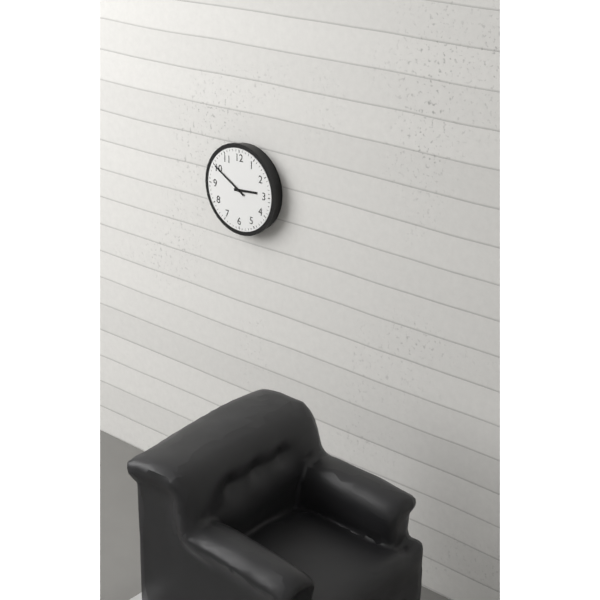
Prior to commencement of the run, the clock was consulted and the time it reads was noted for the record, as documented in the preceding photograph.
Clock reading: 2:50
